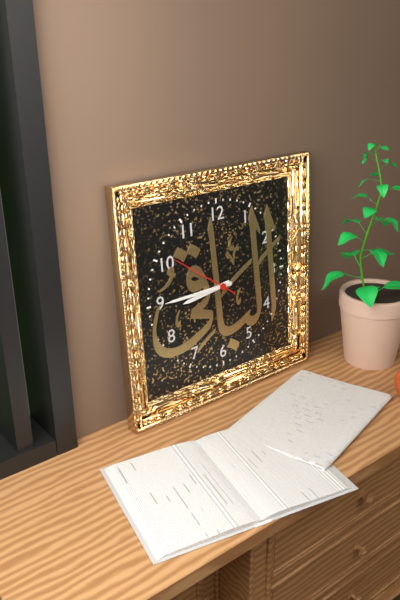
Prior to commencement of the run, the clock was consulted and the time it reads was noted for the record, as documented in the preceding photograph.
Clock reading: 8:45:51
